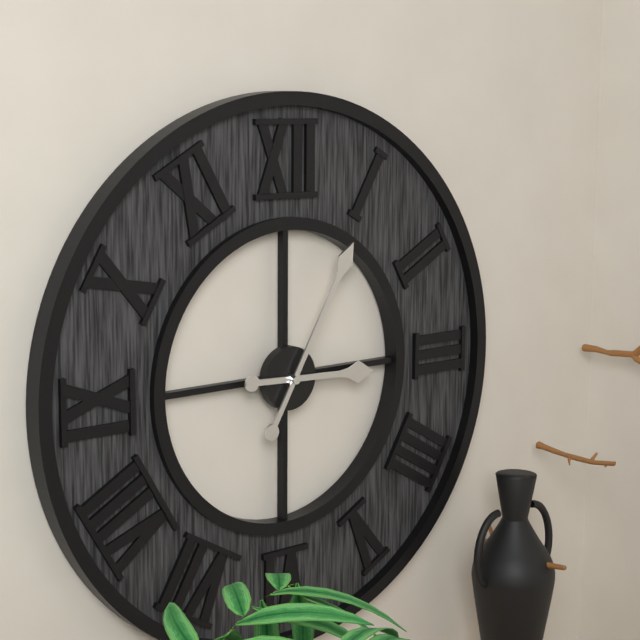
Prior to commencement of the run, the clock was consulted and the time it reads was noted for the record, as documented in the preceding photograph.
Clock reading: 3:05
